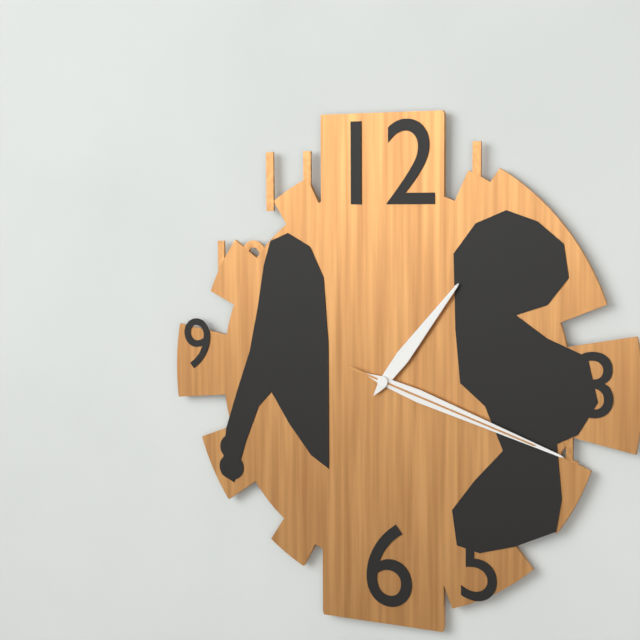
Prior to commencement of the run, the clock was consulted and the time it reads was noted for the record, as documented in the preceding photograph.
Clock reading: 1:18:18
